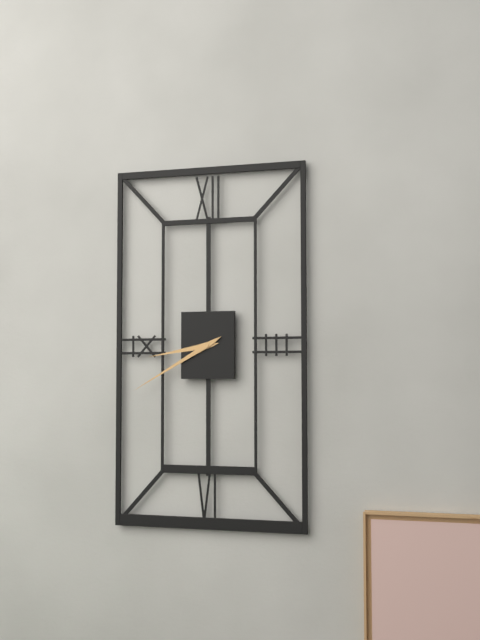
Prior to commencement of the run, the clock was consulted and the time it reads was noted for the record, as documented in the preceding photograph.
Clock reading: 8:40
